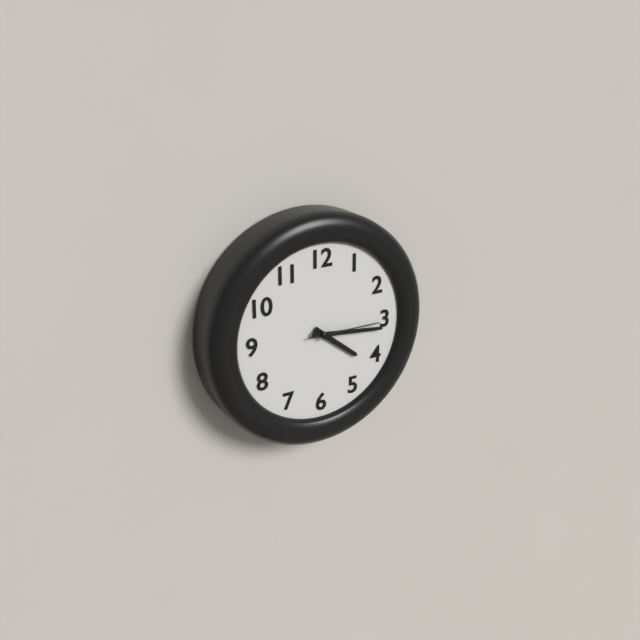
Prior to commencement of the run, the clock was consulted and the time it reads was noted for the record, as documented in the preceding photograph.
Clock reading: 4:16:15
